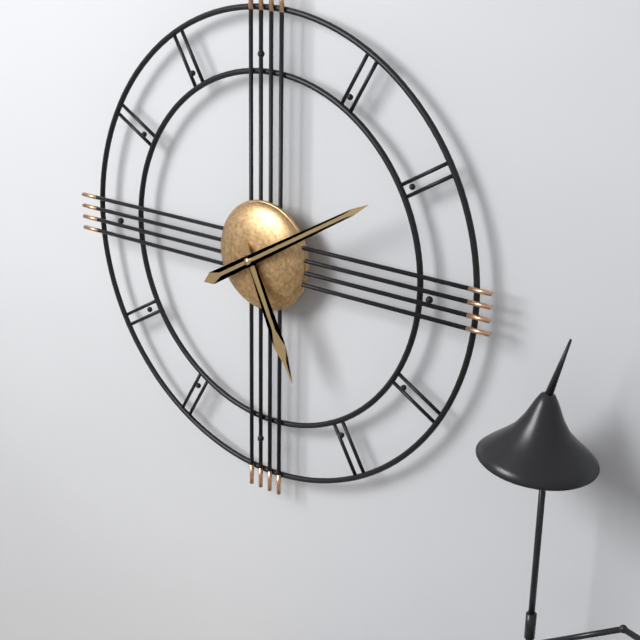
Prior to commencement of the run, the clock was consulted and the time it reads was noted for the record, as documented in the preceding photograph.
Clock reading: 5:10
